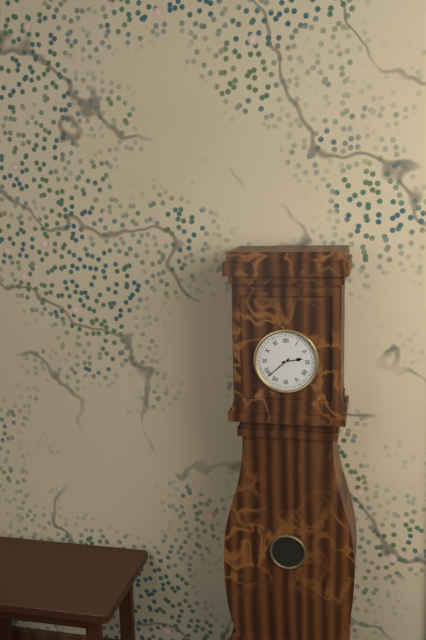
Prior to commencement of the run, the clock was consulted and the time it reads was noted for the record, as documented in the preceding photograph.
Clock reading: 2:38
